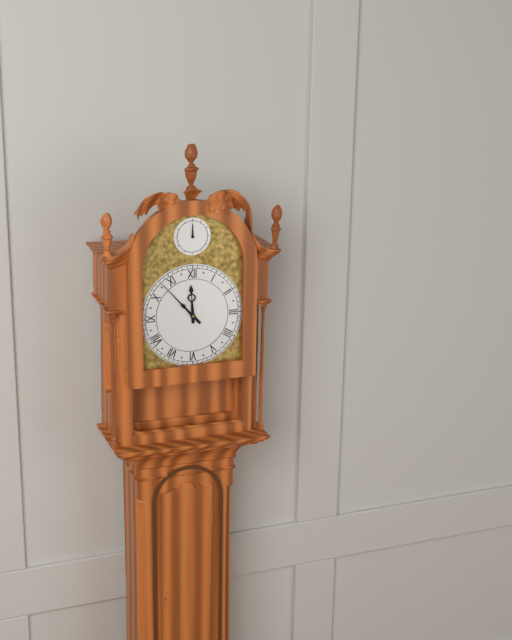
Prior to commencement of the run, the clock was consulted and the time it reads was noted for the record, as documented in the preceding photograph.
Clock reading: 11:53
